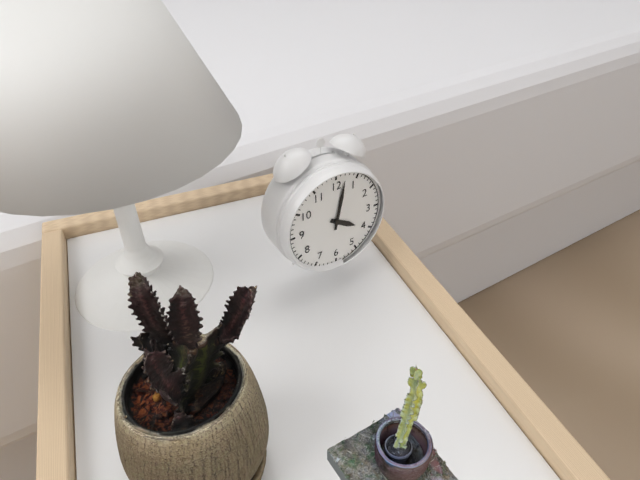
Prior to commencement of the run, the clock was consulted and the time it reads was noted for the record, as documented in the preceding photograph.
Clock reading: 4:02
